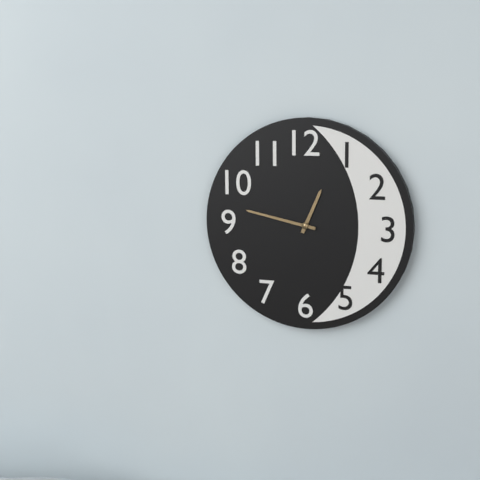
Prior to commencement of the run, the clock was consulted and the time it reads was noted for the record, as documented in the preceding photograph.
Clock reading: 12:47
